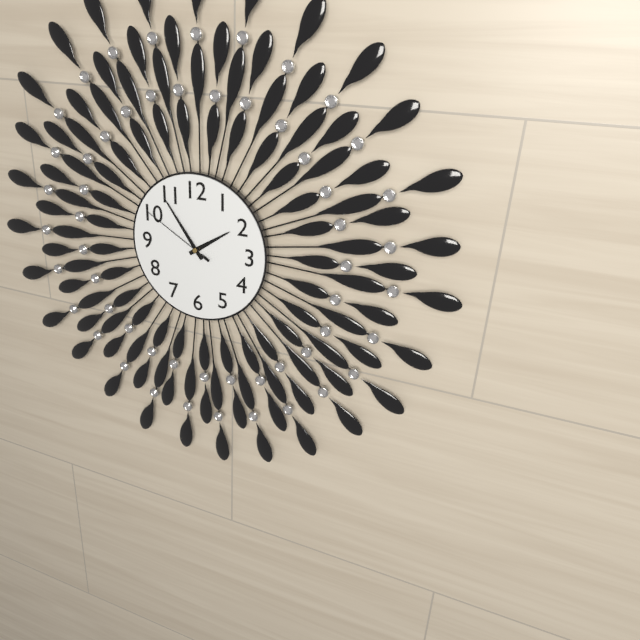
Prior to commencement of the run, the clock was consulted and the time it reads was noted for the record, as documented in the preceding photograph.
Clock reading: 1:54:50
